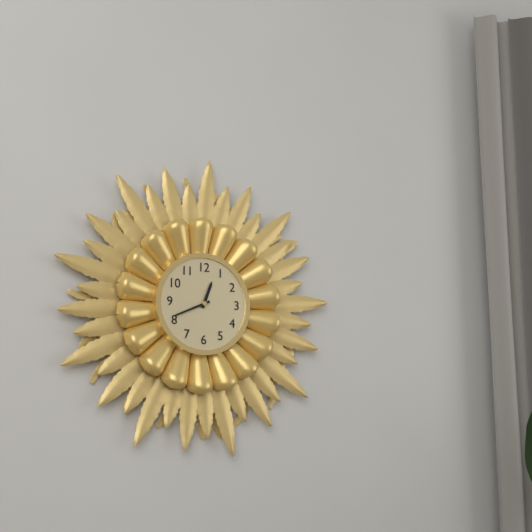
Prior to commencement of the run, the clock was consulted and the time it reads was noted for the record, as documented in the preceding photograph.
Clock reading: 12:41
